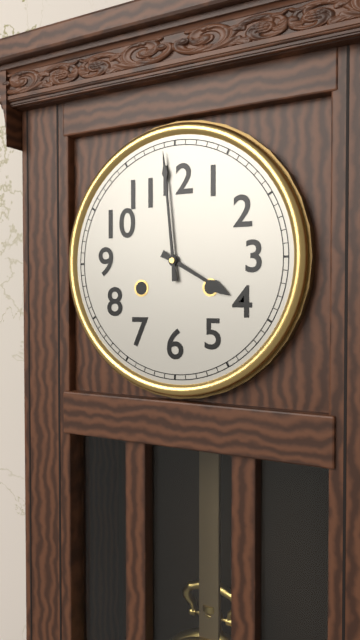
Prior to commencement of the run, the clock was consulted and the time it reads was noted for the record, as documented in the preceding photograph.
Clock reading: 3:59
